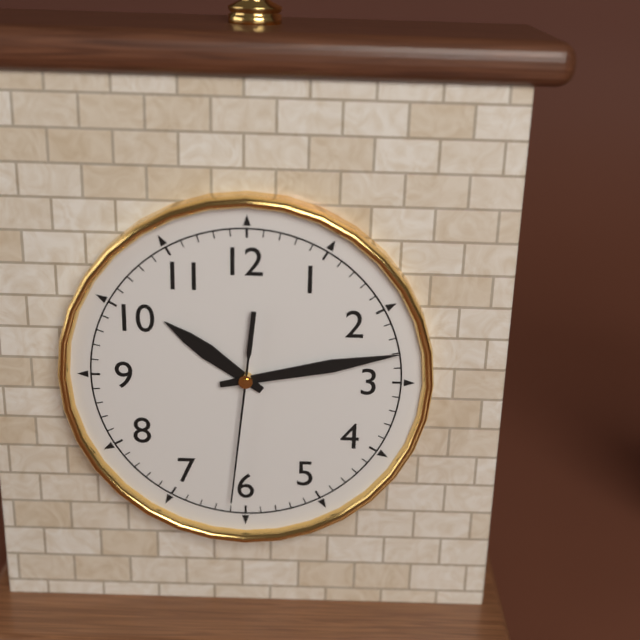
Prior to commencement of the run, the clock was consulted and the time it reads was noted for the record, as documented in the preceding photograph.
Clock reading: 10:13:31
